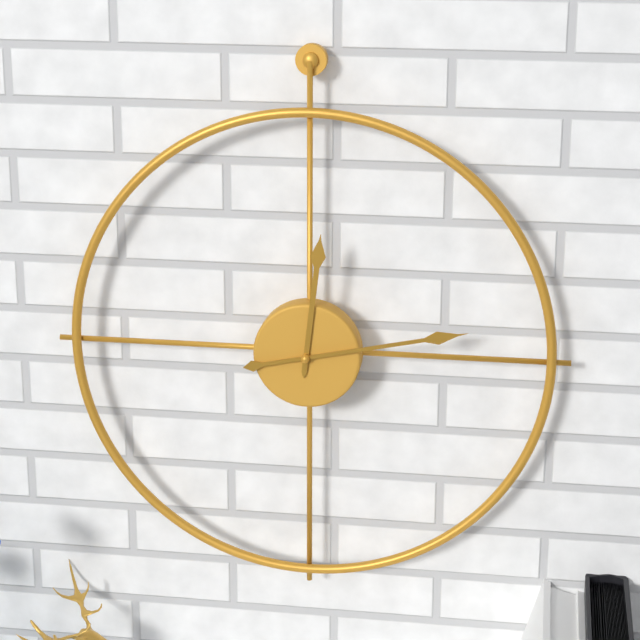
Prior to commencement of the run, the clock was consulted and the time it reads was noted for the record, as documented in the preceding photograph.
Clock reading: 12:13
